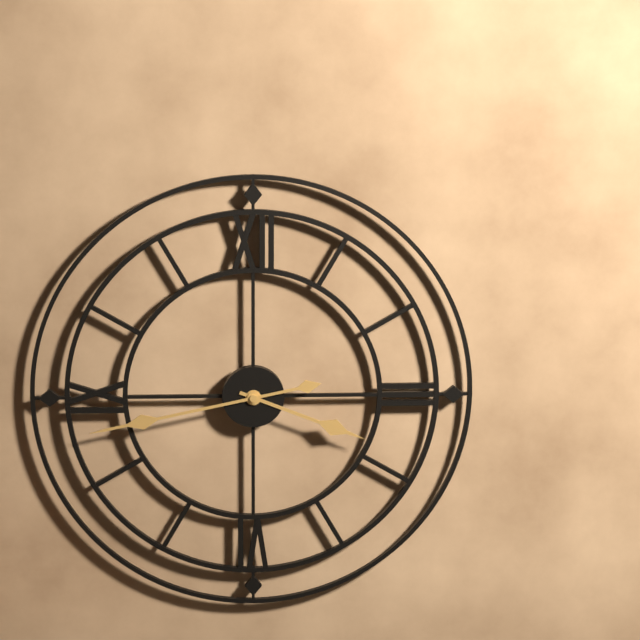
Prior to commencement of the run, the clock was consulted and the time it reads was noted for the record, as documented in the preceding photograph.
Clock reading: 3:43
